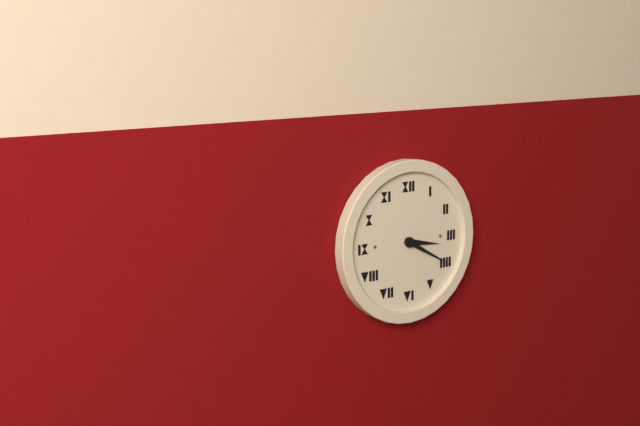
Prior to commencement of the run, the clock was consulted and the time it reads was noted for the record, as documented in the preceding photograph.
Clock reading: 3:20
